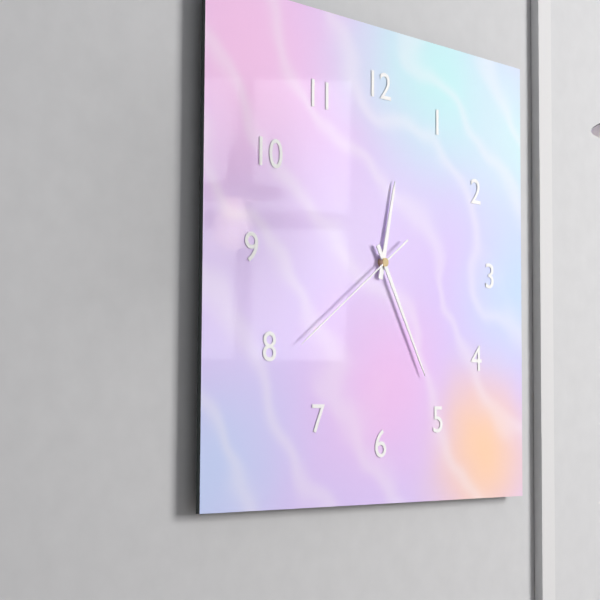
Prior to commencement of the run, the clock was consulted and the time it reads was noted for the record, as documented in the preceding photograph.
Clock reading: 12:25:39
